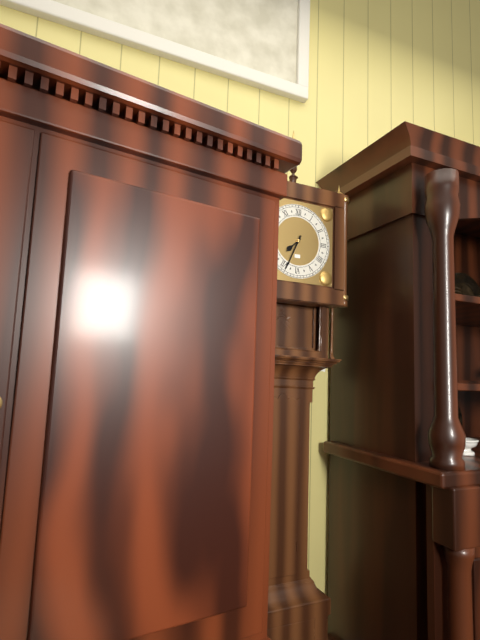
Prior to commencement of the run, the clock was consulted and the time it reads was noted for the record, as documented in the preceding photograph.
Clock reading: 7:34
